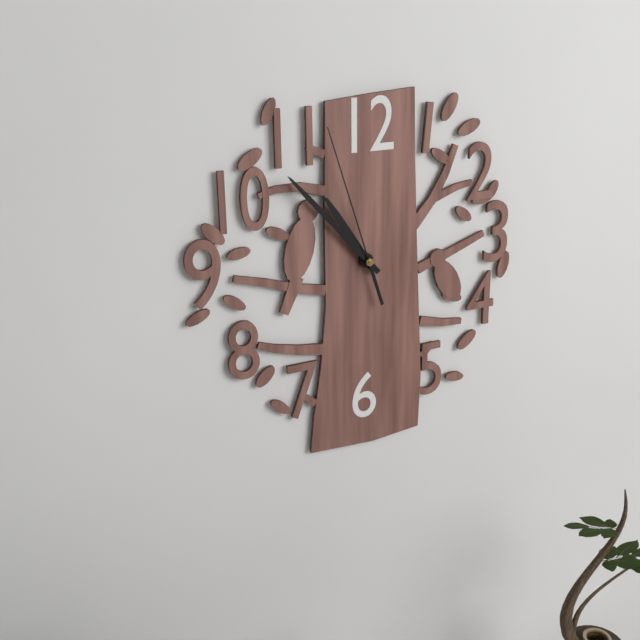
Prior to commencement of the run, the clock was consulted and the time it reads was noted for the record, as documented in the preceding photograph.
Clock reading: 10:53:57
